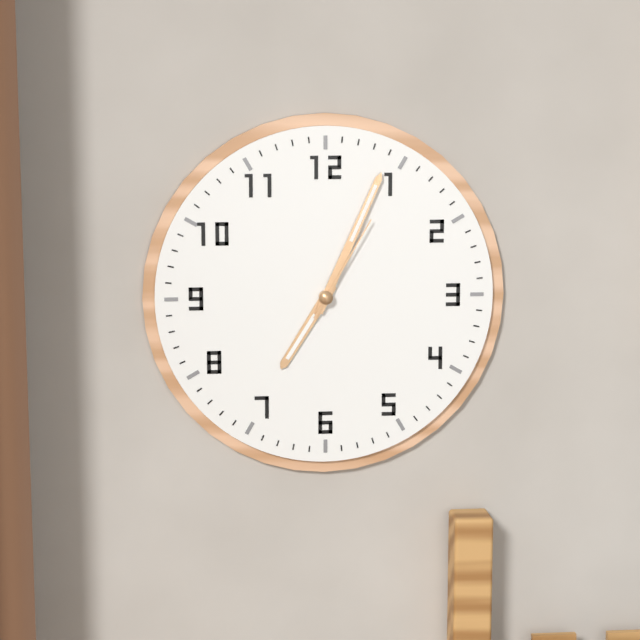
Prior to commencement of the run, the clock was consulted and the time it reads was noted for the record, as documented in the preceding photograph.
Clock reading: 7:04:05
